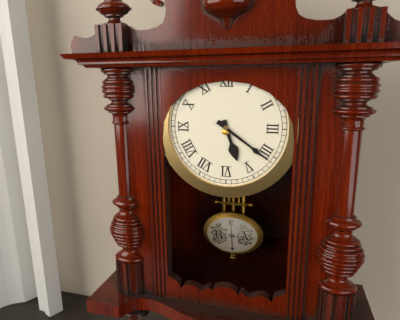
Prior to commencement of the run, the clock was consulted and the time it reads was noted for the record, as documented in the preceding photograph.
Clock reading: 5:21
